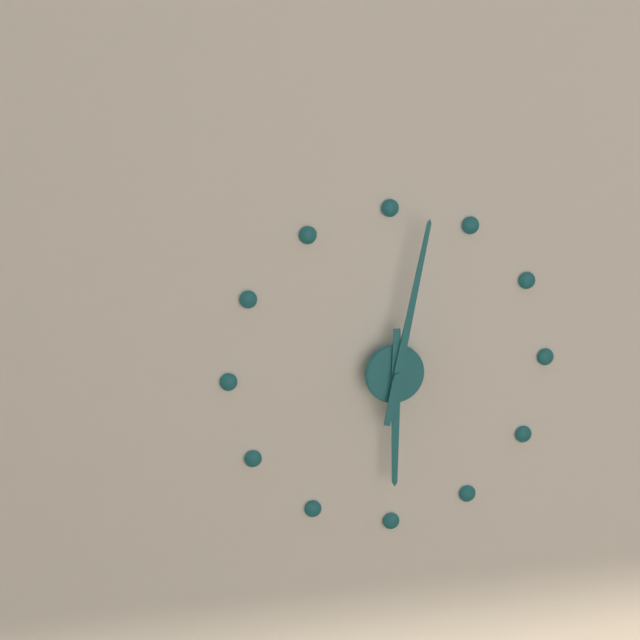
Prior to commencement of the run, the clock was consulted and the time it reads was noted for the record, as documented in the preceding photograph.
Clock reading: 6:02
